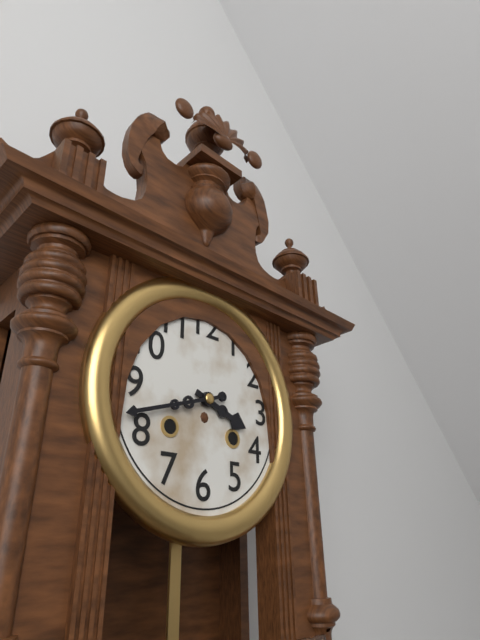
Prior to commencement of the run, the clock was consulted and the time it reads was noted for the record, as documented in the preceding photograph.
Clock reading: 3:42
